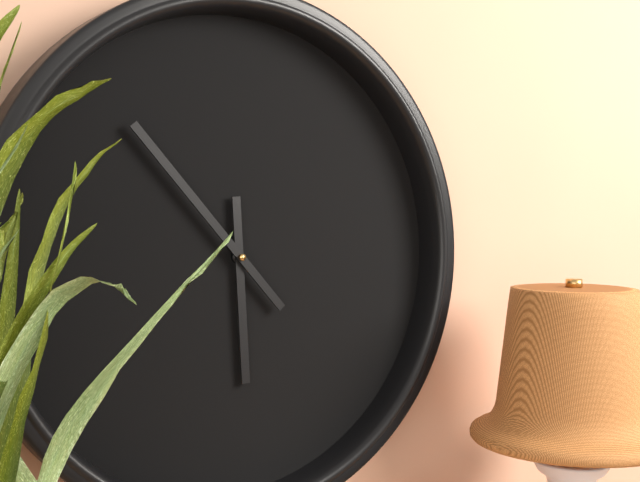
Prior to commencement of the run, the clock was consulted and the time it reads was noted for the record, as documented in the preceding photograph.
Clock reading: 5:53
